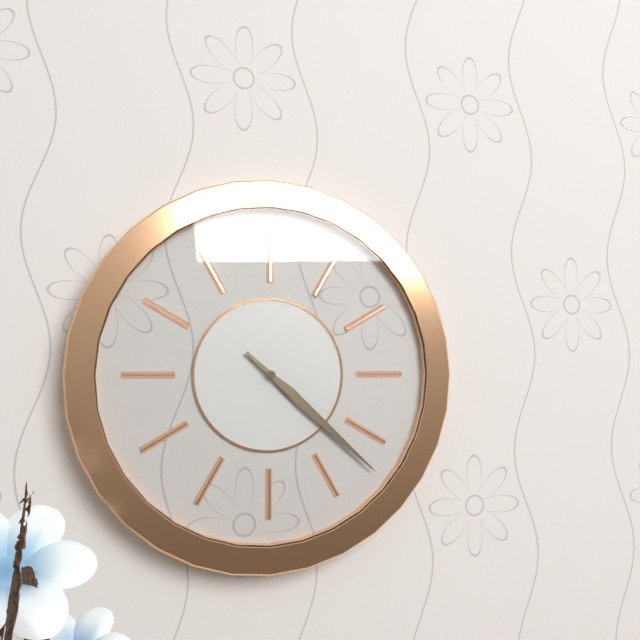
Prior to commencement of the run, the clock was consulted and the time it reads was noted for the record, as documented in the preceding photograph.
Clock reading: 4:22
